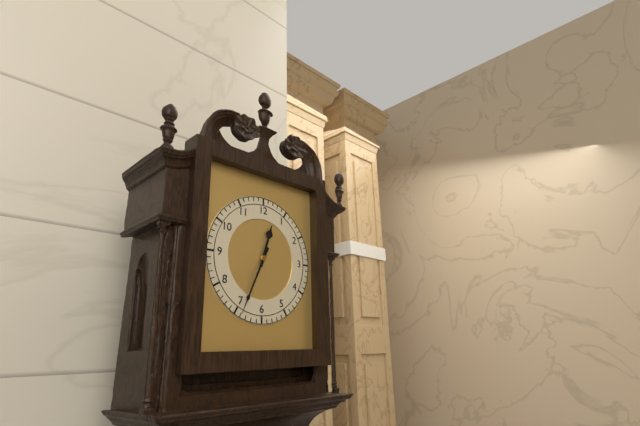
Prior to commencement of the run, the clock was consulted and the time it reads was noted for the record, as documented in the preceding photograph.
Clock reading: 12:34
